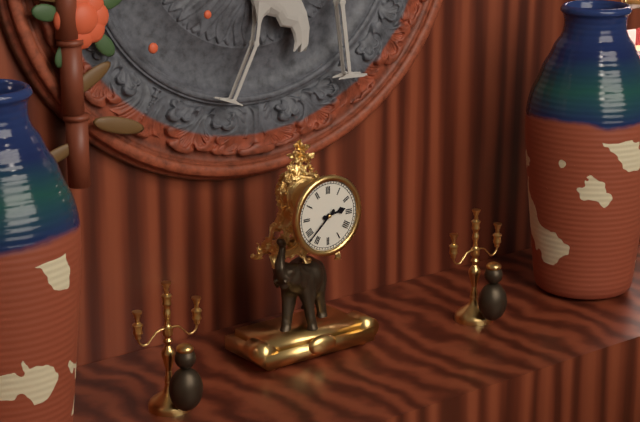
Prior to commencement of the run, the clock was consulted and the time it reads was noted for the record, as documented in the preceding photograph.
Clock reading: 2:38
